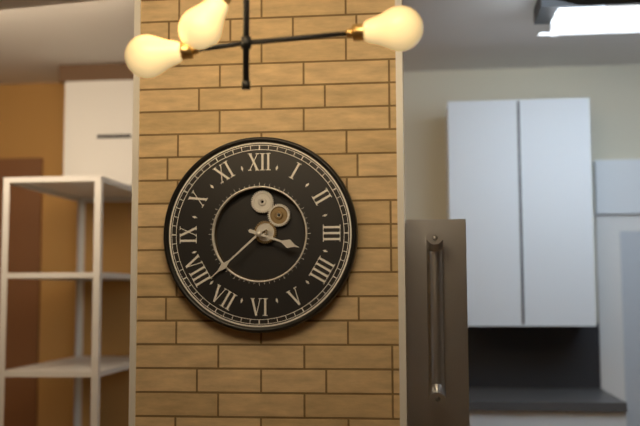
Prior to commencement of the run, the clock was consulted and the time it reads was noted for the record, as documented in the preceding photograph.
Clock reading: 3:38
